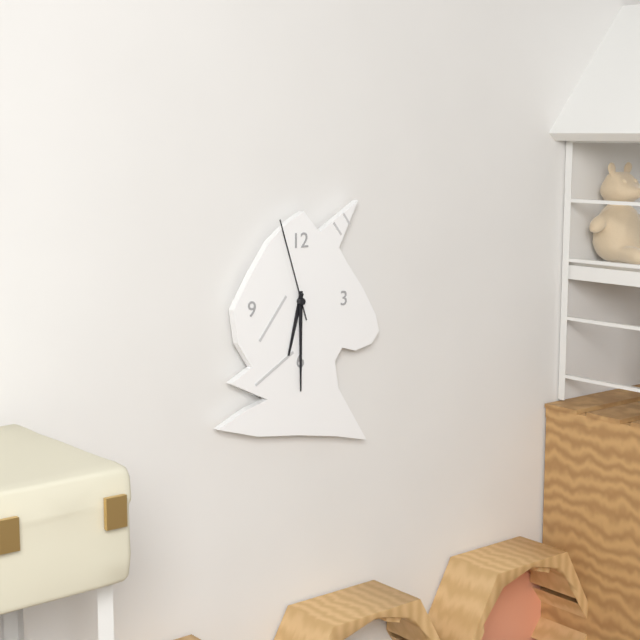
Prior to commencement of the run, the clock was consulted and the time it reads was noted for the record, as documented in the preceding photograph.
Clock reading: 6:30:57
